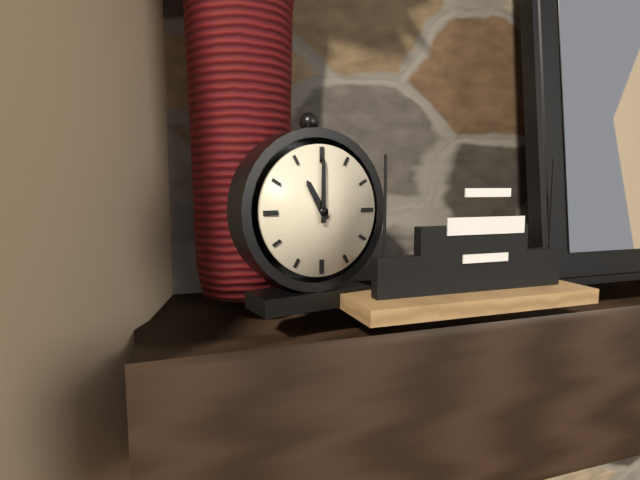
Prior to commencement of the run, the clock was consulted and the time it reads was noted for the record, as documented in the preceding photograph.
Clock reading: 11:00
